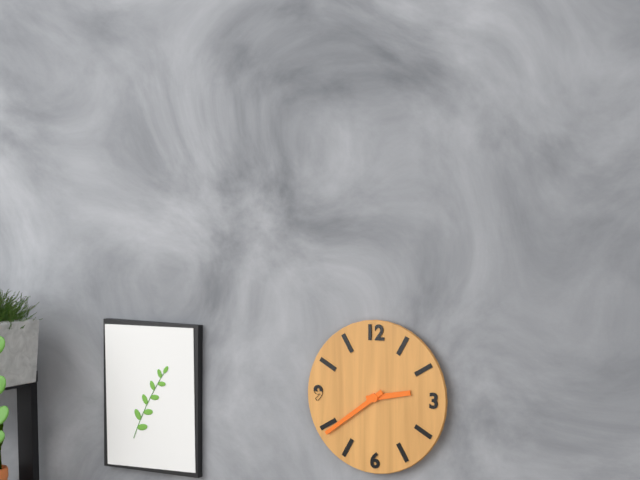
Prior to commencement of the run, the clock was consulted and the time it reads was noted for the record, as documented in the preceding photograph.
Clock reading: 2:39
